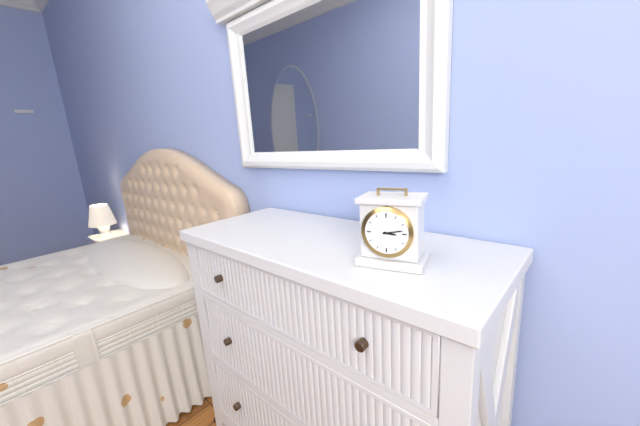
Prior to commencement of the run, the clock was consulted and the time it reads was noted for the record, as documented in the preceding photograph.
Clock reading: 3:13
